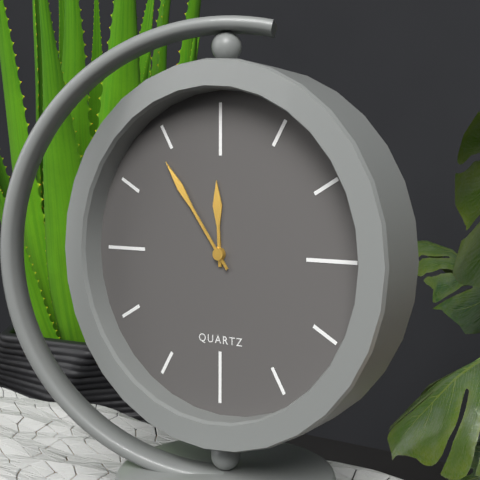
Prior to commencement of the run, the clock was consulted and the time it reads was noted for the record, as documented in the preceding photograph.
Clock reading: 11:54
